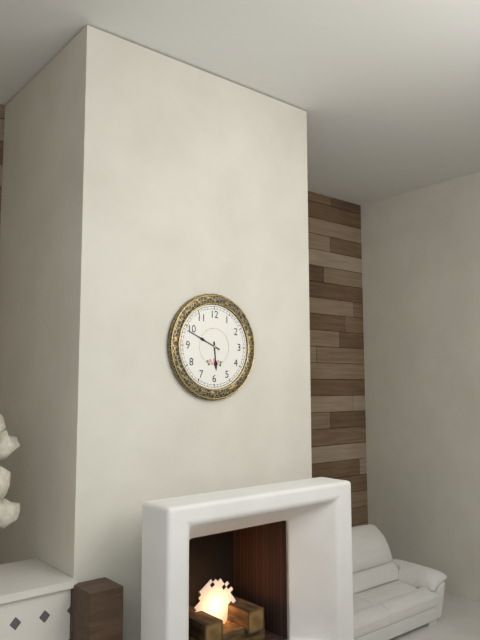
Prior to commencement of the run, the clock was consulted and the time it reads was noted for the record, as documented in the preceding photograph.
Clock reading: 5:49
